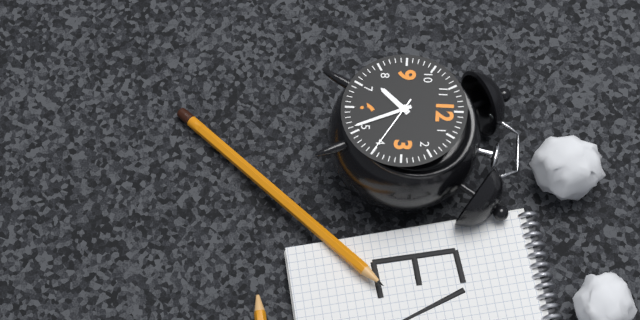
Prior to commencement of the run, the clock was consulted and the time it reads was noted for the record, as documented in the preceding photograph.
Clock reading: 7:26:20
